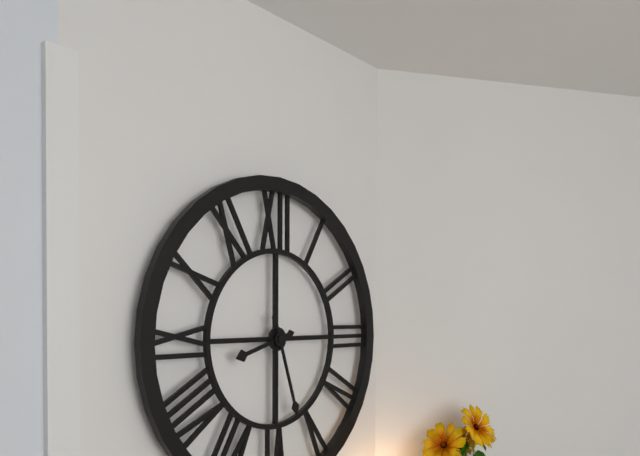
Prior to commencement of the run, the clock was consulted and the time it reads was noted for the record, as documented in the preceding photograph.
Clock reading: 8:27
